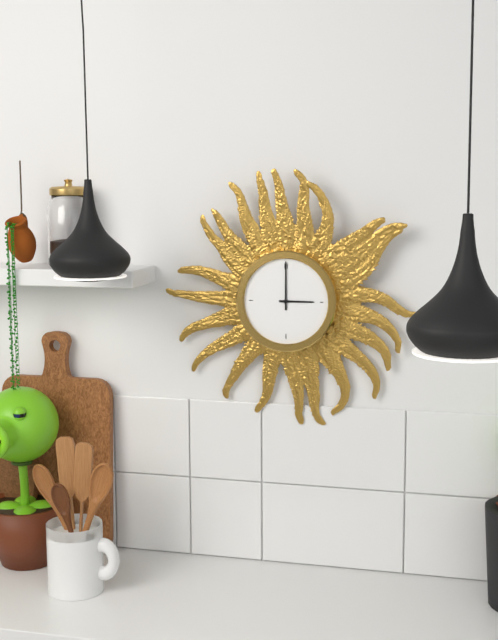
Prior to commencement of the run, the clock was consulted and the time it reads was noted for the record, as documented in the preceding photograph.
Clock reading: 3:00
